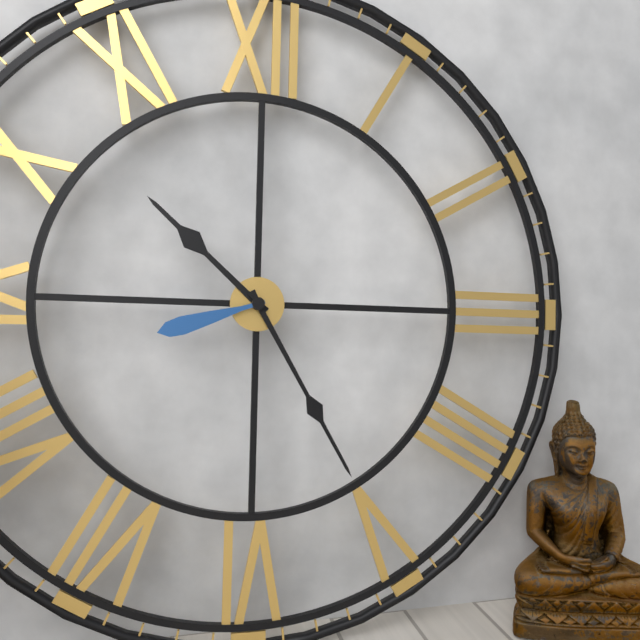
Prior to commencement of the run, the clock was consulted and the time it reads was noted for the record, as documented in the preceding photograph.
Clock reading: 10:25:42
